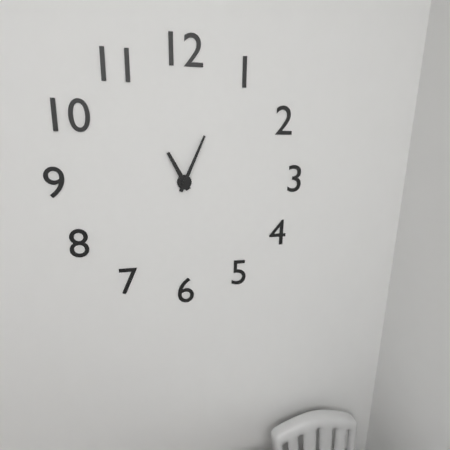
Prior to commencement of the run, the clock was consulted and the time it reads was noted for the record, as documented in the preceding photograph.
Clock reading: 11:04
